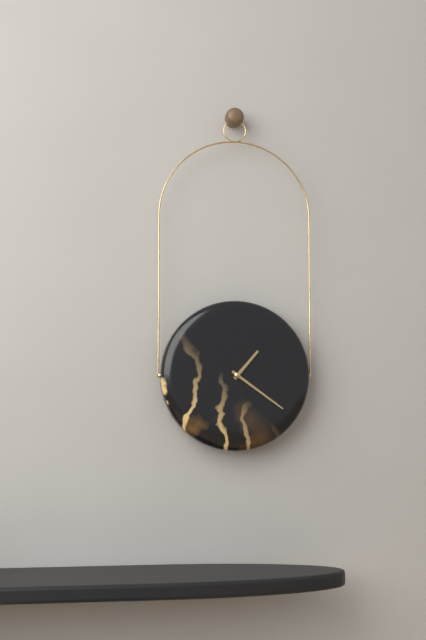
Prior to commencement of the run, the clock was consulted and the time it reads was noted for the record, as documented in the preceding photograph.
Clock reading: 1:21
